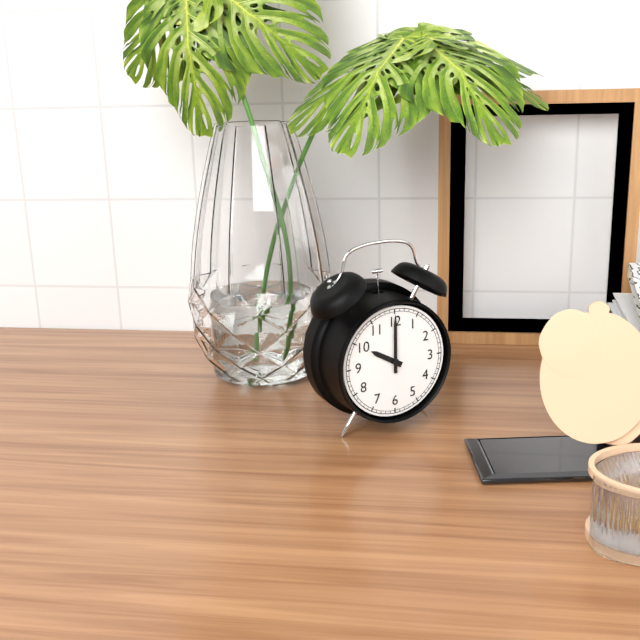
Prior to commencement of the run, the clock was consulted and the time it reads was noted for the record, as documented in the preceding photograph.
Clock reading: 10:00
